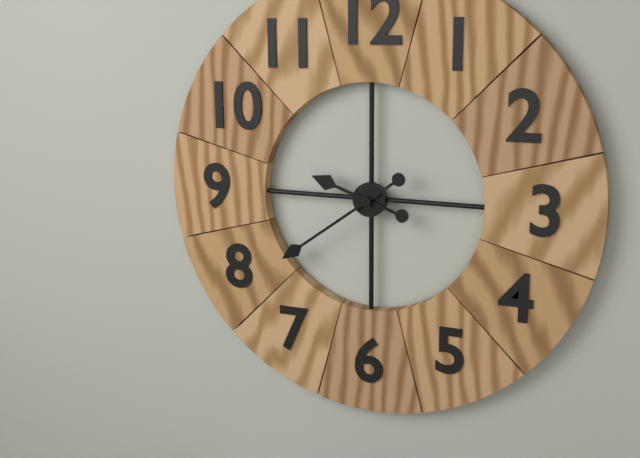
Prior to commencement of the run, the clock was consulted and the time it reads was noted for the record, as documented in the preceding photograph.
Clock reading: 9:39
